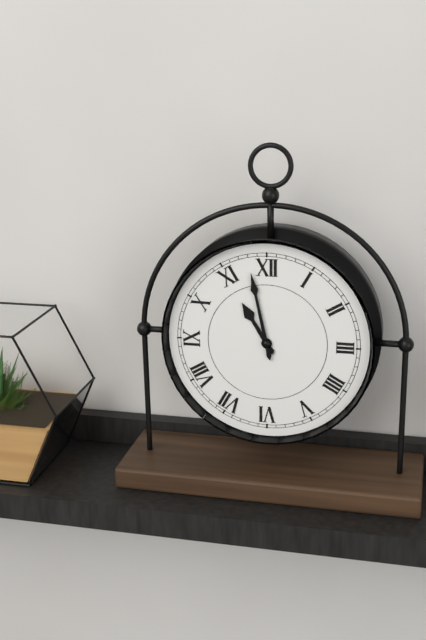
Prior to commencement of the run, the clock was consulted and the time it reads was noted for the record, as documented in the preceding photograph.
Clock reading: 10:58
